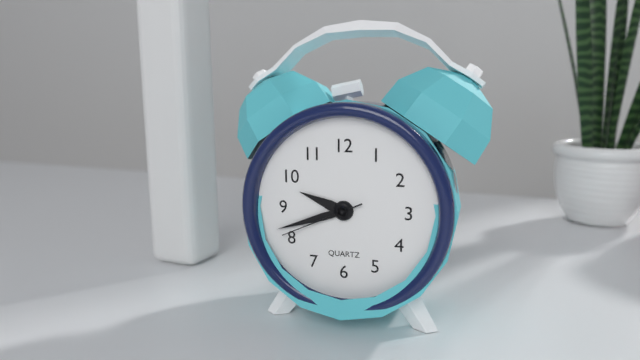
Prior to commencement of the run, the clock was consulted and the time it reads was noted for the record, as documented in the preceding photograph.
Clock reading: 9:42:41
